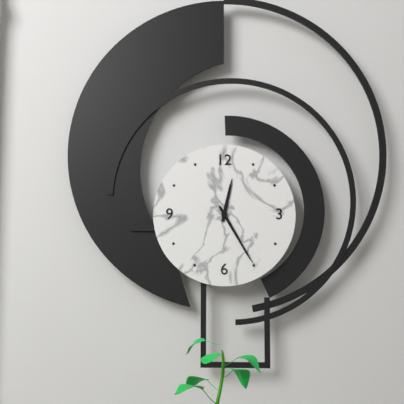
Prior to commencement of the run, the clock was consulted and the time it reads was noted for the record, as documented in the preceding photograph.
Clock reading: 12:25
